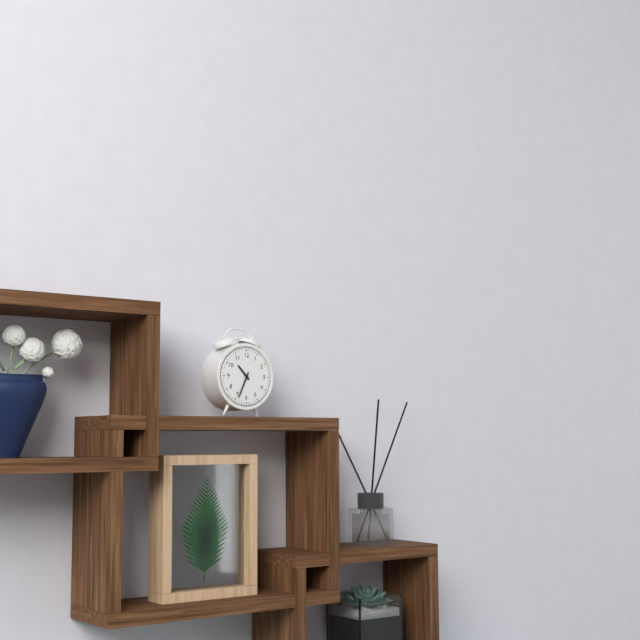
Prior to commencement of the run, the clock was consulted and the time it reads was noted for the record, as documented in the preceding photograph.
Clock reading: 10:34
